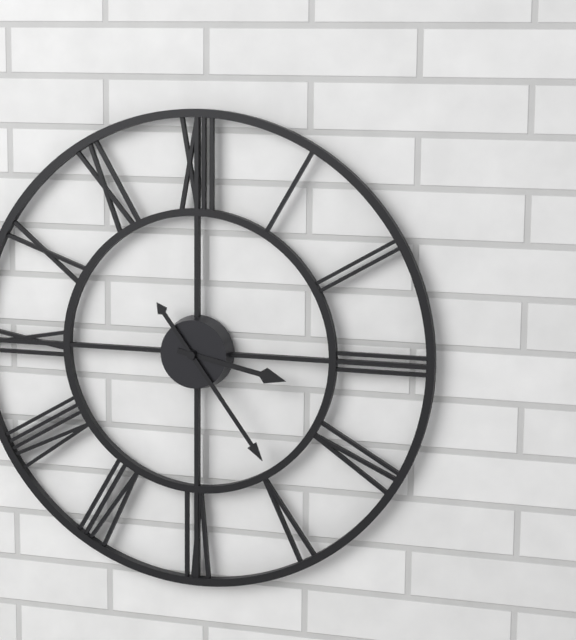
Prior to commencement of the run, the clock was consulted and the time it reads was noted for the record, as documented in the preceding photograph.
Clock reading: 3:24
